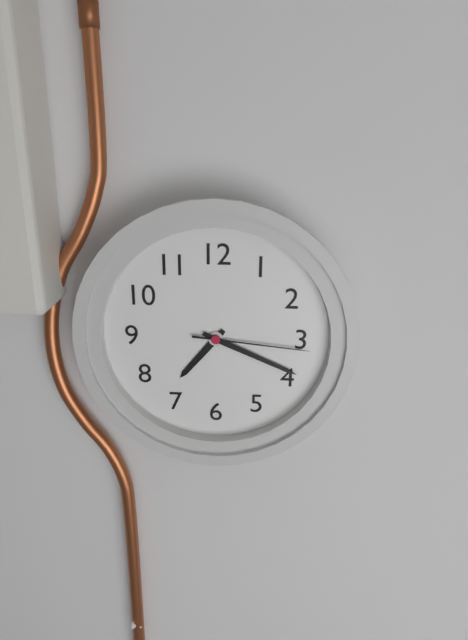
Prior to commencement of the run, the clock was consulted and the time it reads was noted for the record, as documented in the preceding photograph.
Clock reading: 7:19:16
